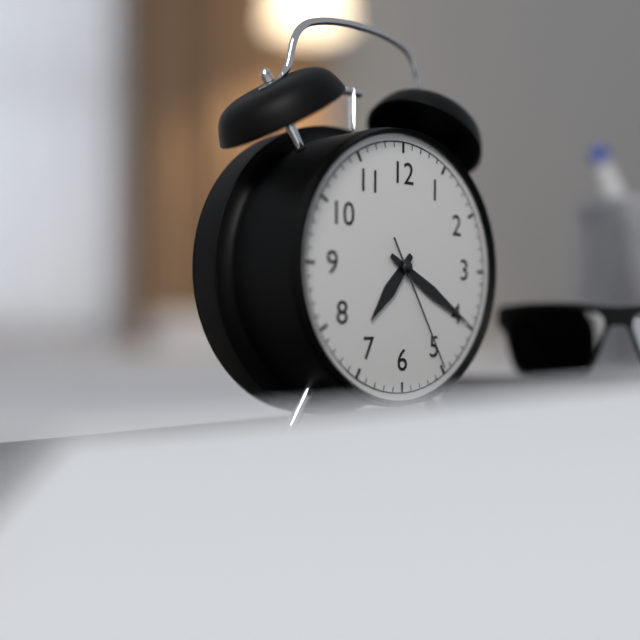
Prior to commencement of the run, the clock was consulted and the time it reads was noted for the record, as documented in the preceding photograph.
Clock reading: 7:20:25
